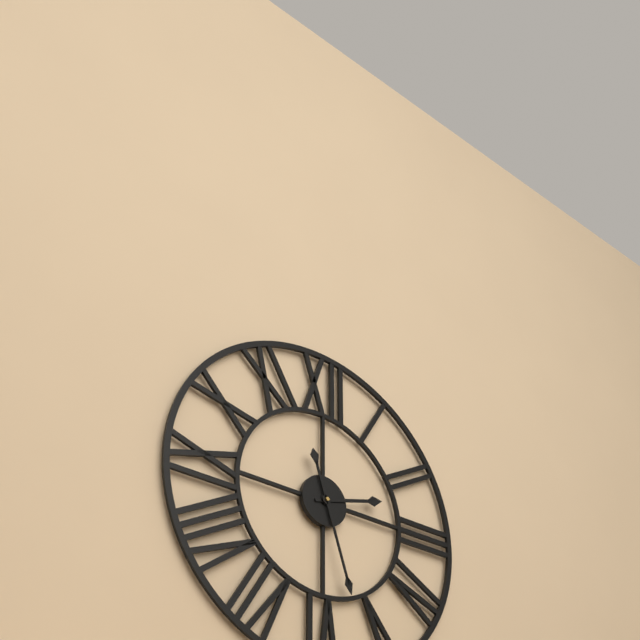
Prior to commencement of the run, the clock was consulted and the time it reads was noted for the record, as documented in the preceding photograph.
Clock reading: 2:27
